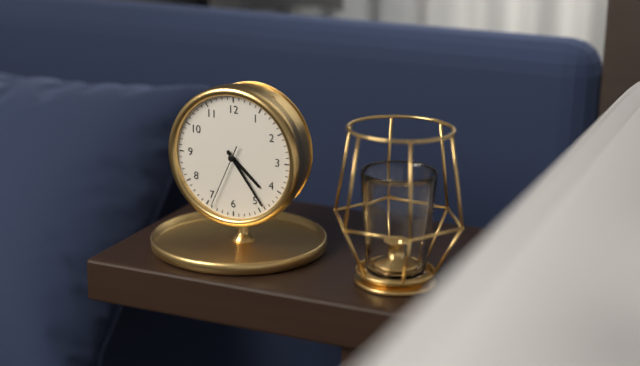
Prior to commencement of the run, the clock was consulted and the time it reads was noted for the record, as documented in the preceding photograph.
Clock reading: 4:24:34
